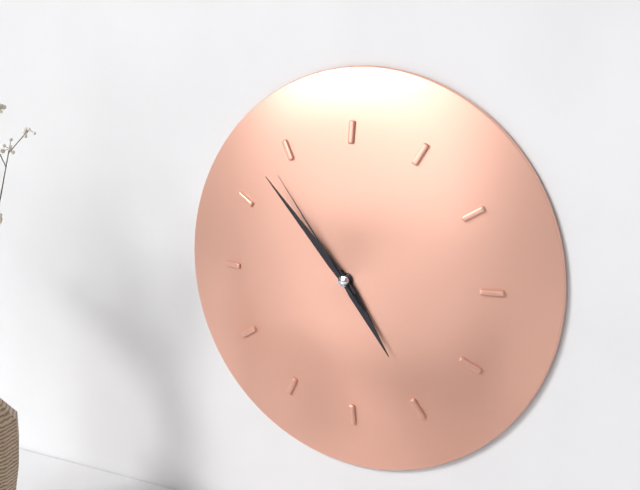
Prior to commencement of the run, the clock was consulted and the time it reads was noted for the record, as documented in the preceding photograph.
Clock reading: 4:53:54
